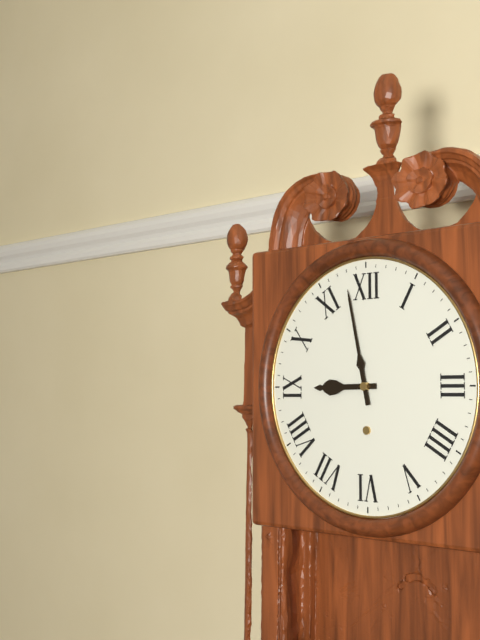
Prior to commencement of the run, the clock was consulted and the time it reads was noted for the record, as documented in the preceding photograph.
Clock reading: 8:58
